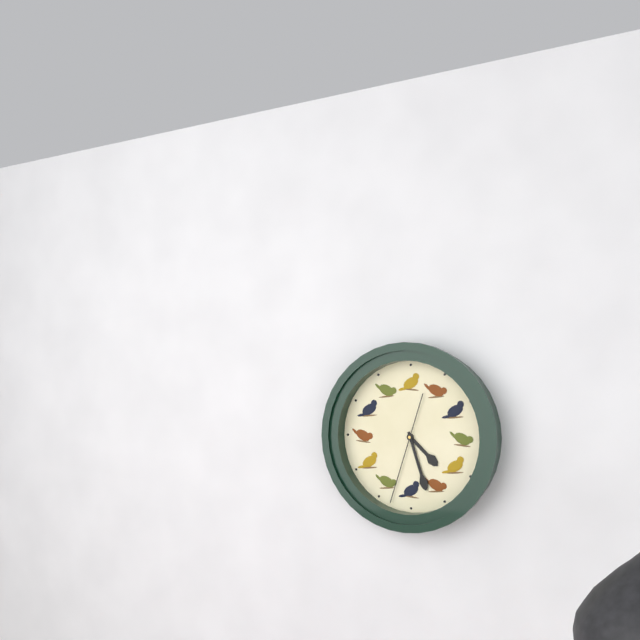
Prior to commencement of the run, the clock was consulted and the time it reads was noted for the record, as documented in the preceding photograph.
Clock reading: 4:27:33
